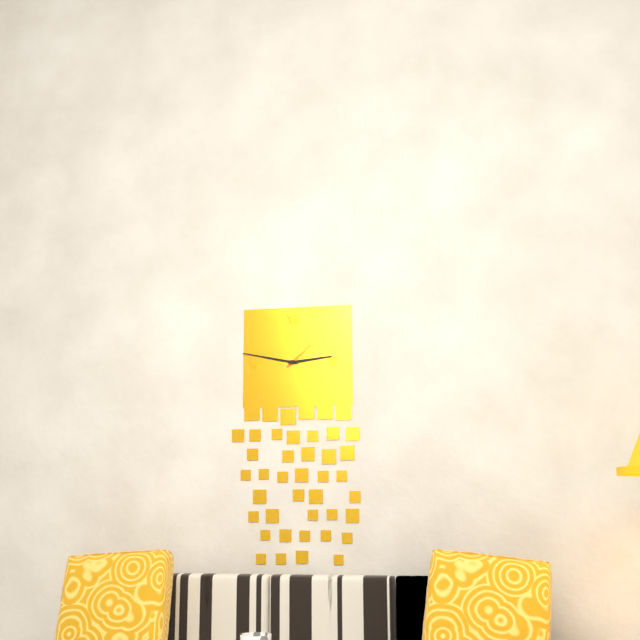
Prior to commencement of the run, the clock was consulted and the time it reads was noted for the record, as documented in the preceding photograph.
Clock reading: 2:47
